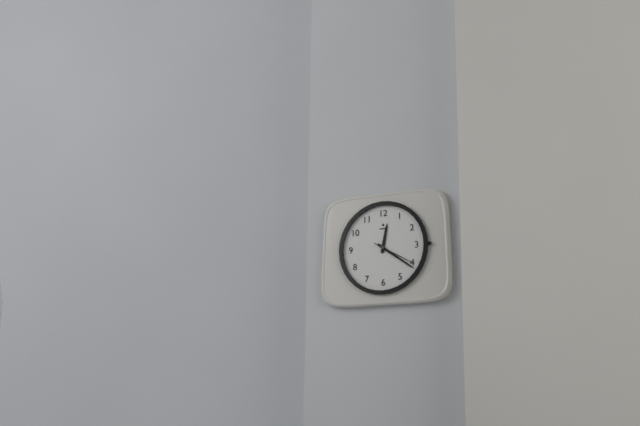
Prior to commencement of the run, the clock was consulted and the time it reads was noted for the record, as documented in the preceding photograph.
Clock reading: 12:21
